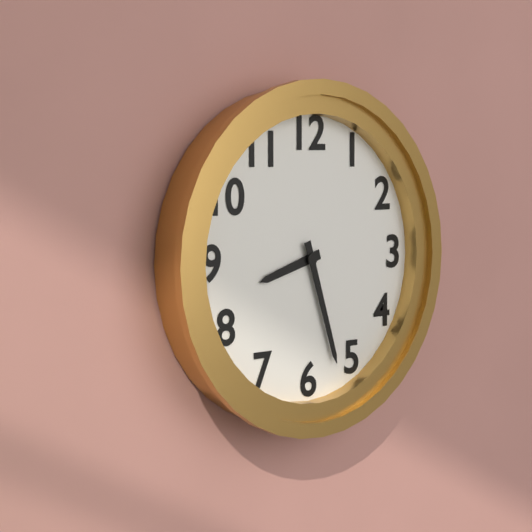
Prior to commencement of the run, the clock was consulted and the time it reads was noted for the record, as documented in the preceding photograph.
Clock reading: 8:27
